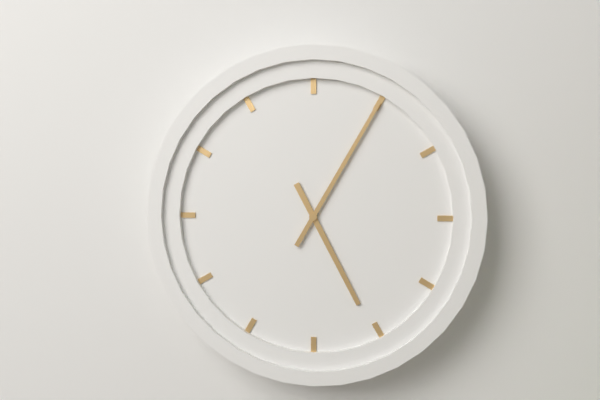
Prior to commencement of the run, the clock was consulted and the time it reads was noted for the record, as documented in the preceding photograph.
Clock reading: 5:05
